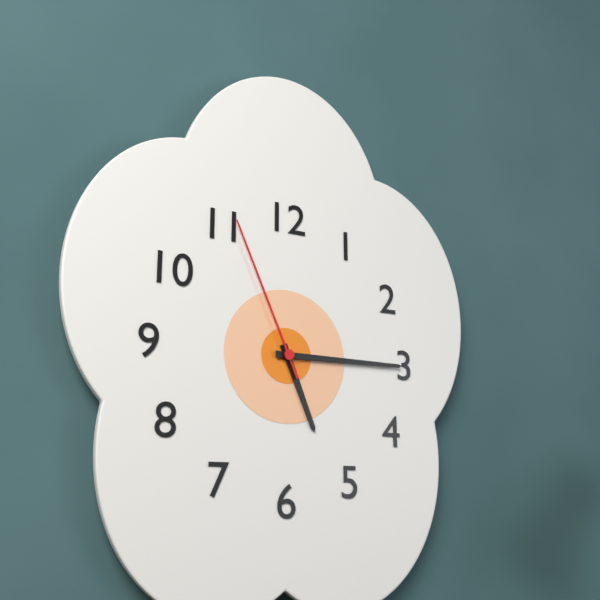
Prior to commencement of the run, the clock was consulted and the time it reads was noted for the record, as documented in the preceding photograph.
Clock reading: 5:15:56
